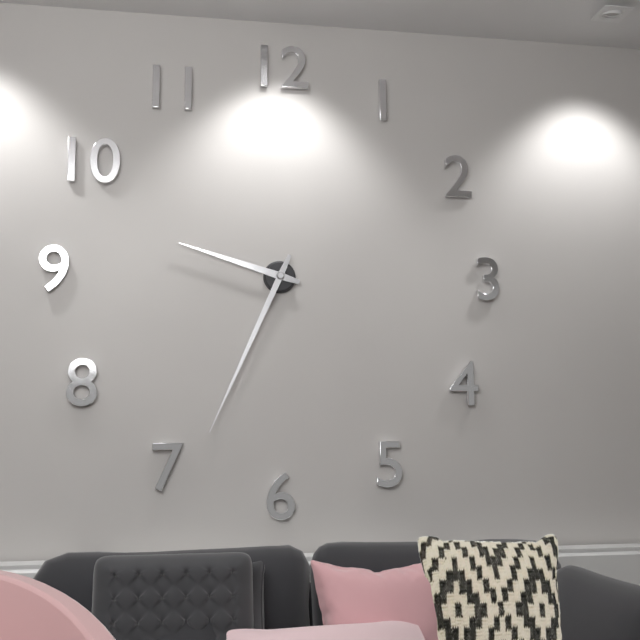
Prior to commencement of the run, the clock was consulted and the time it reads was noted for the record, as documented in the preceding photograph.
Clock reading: 9:34
